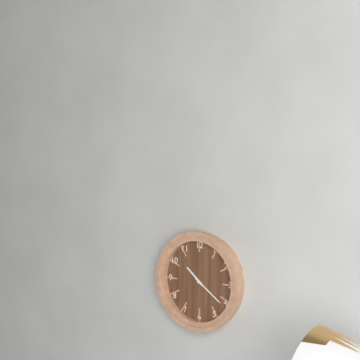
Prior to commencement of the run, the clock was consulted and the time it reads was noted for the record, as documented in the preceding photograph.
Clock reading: 10:21
